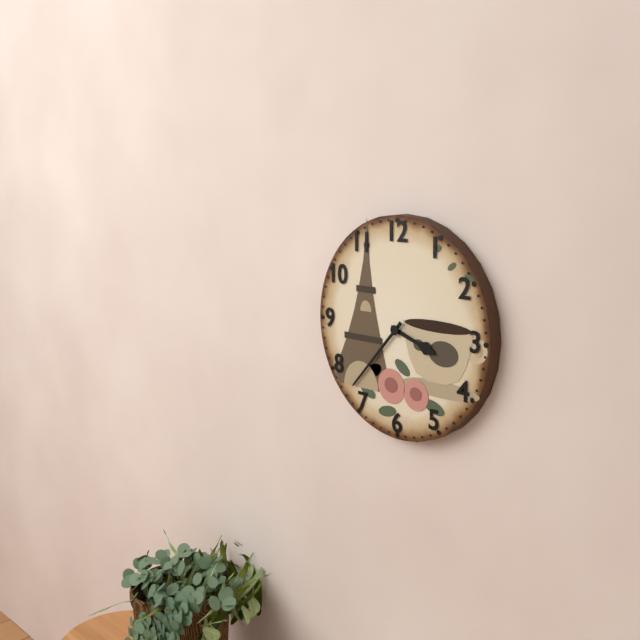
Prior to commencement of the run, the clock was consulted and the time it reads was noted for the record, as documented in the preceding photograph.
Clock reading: 3:37
